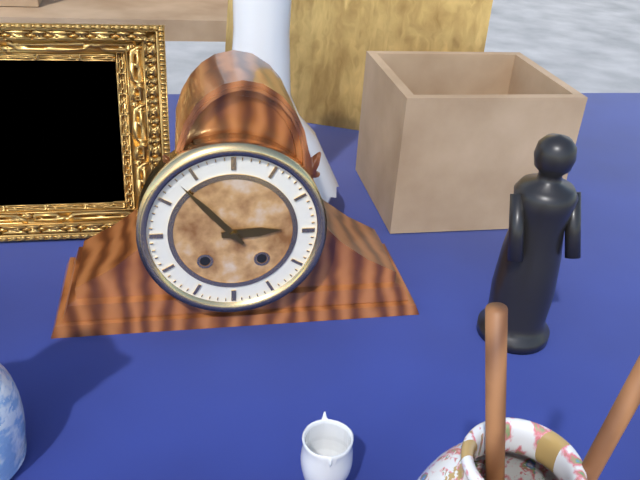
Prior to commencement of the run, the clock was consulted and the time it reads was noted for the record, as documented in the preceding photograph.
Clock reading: 2:53
